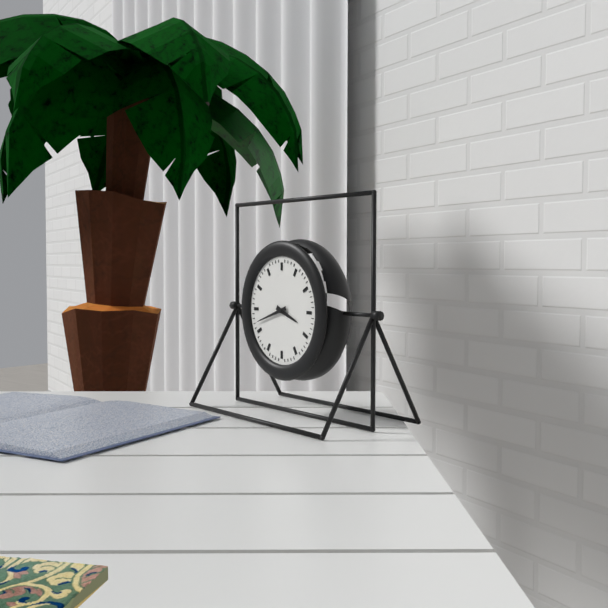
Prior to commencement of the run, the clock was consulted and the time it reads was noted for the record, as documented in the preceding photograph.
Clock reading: 3:42
